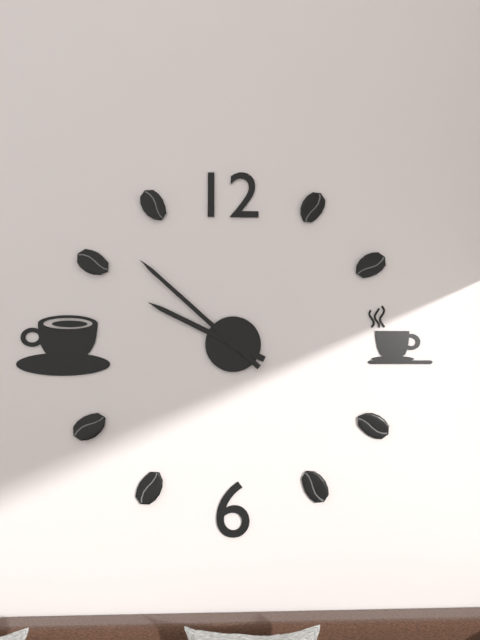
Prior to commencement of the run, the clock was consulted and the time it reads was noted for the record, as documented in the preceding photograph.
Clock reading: 9:52
